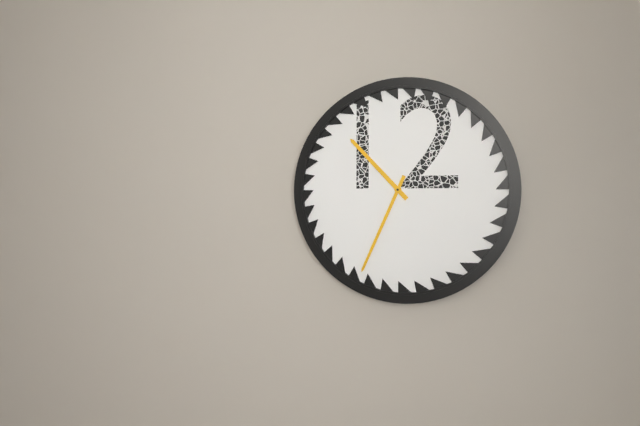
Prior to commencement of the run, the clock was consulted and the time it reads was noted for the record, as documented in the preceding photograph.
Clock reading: 10:34
